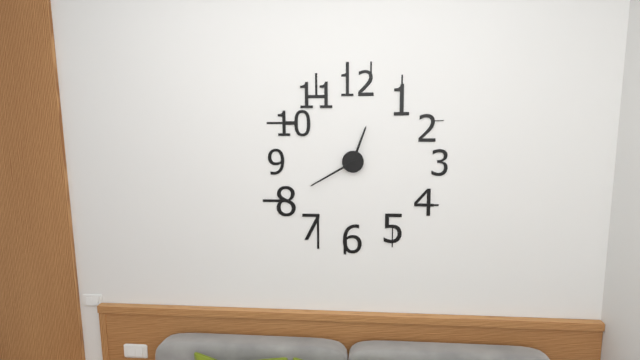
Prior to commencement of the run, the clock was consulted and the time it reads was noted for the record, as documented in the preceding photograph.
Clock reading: 12:40
